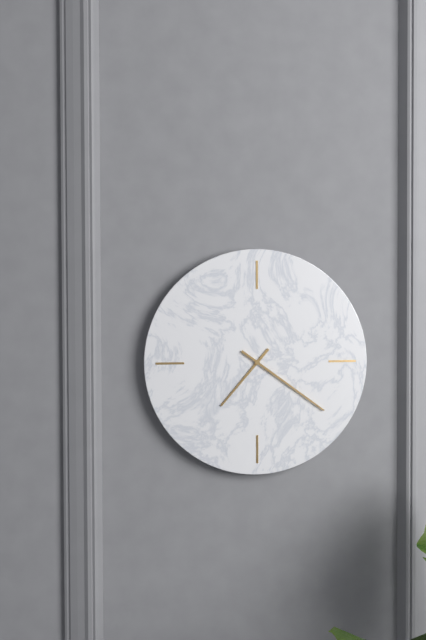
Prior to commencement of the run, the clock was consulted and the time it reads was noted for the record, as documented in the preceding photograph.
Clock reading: 7:21
